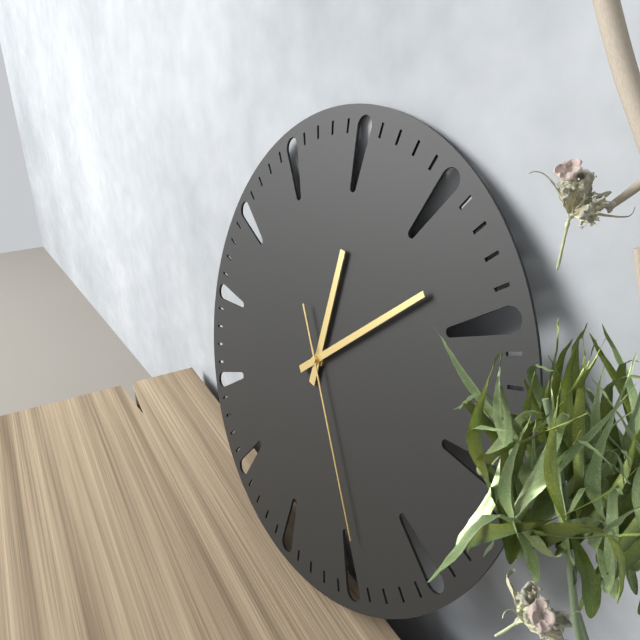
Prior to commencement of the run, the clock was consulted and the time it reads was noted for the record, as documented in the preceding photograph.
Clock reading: 12:08:24
